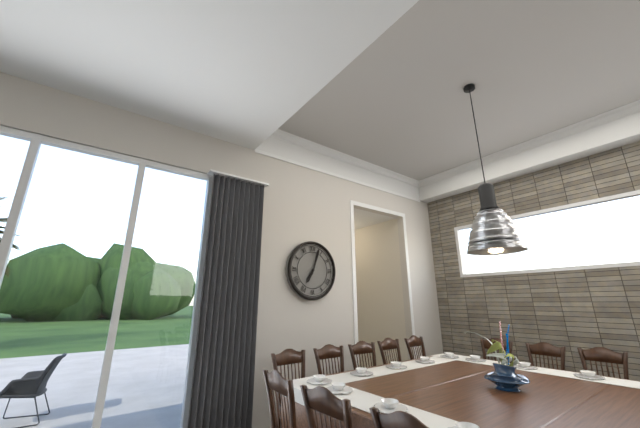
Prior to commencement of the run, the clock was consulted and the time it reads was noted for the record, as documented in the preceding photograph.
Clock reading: 7:03
